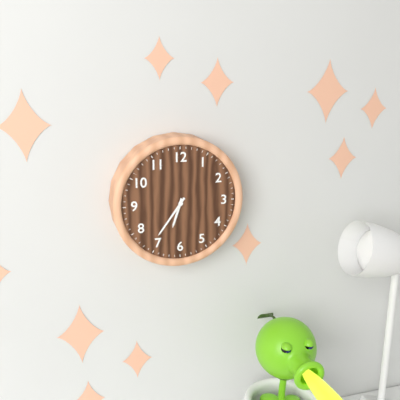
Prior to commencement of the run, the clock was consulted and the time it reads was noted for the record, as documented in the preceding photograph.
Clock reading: 6:36
